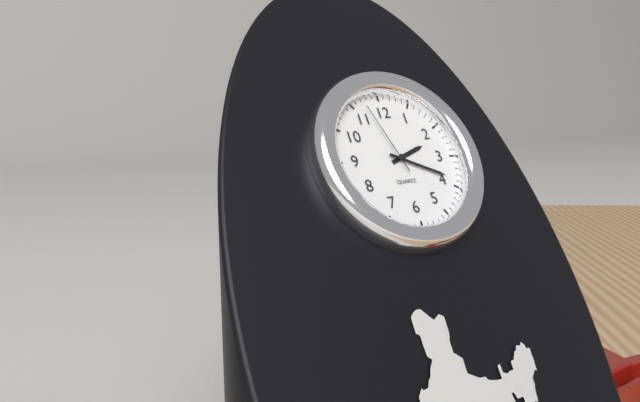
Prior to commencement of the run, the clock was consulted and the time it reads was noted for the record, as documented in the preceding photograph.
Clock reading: 2:19:57
